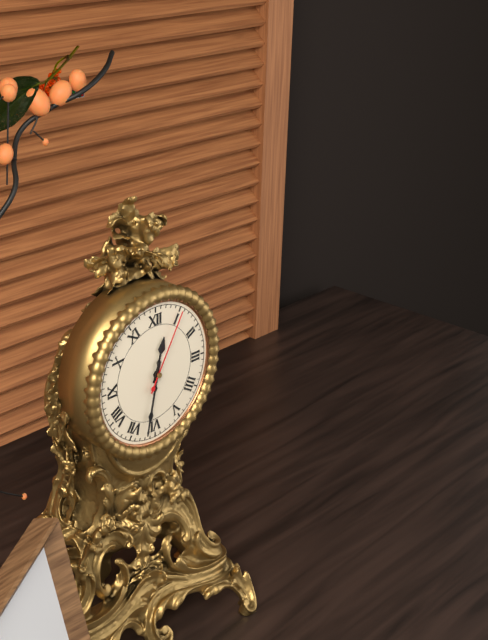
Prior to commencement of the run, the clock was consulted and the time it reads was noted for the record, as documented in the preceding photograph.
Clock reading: 12:32:05
